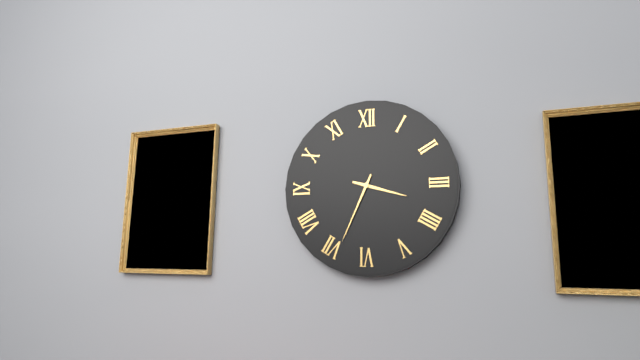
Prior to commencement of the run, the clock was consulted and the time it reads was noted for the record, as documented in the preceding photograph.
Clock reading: 3:34
